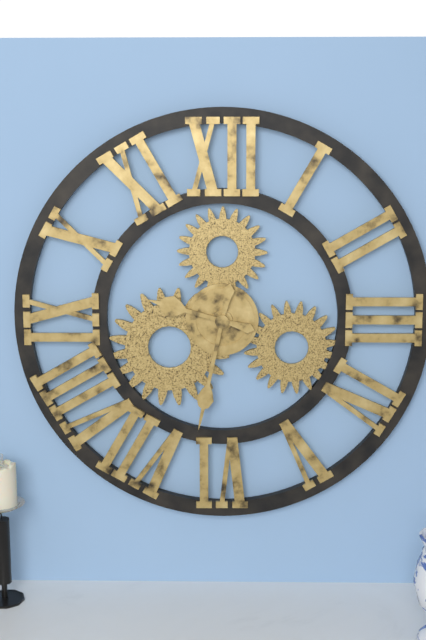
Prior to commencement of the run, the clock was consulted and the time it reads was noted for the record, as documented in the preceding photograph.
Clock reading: 9:32
